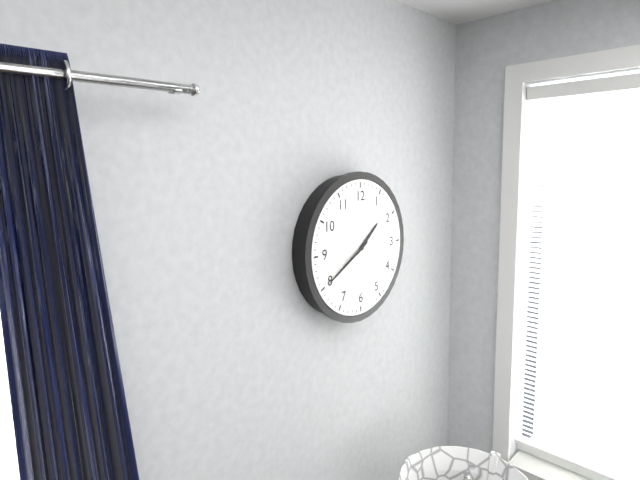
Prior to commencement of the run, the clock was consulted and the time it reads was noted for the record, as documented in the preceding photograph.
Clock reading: 1:40
